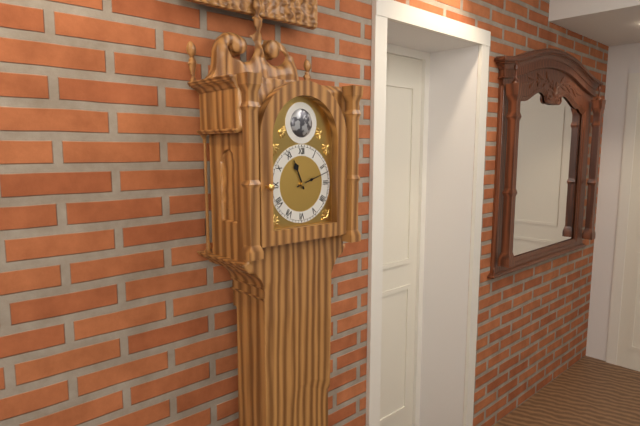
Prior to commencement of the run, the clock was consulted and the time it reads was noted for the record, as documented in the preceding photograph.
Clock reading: 11:12
